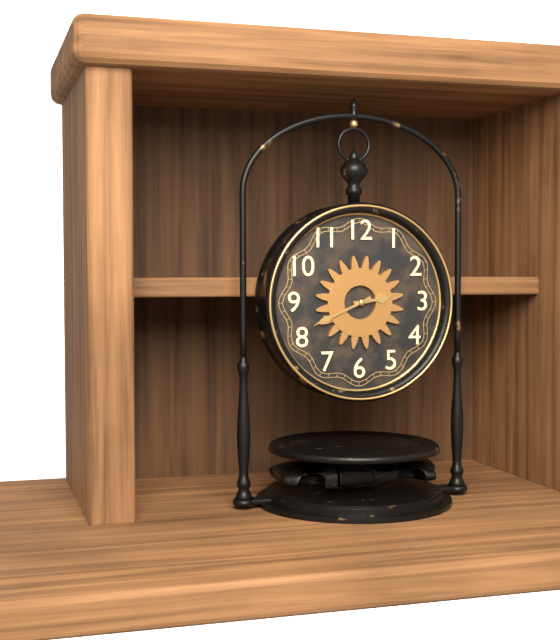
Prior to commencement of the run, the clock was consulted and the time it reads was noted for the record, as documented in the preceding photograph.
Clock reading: 2:41
